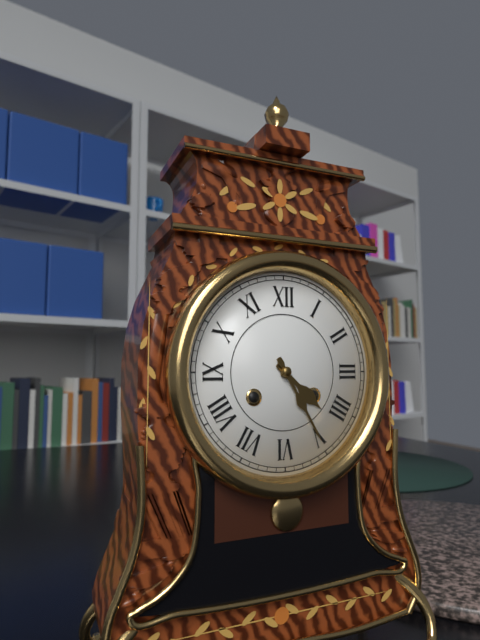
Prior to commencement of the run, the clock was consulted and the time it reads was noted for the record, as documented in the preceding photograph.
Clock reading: 4:25
